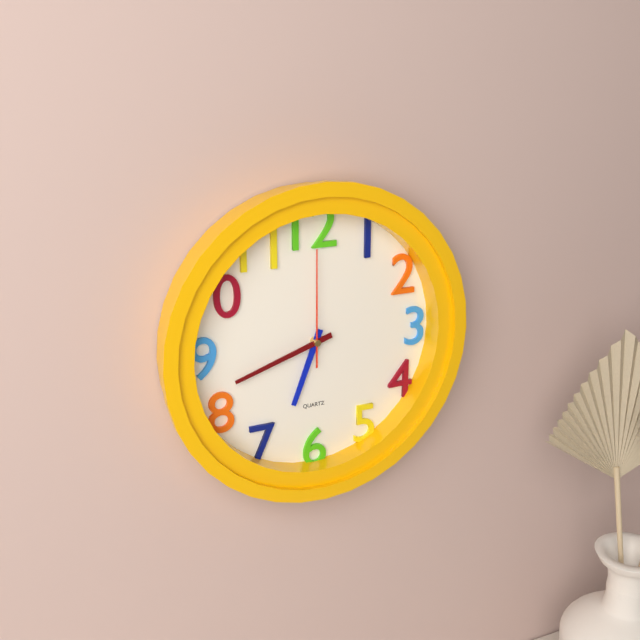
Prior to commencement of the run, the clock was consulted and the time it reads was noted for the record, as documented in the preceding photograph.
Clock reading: 6:42:00
